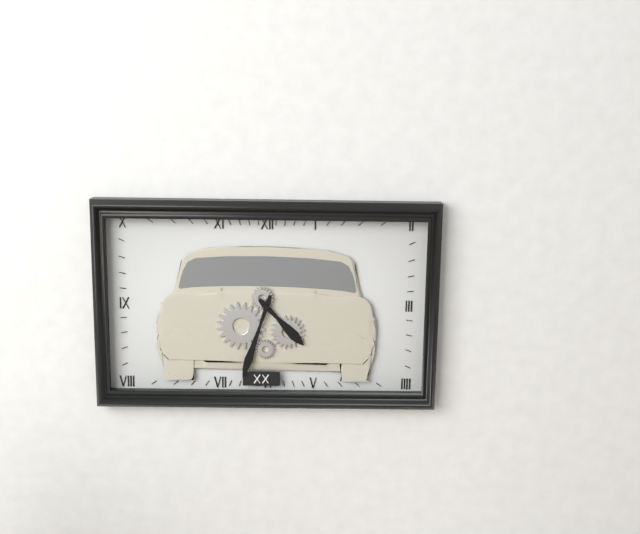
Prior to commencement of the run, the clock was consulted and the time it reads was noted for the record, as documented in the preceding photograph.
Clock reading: 4:33
